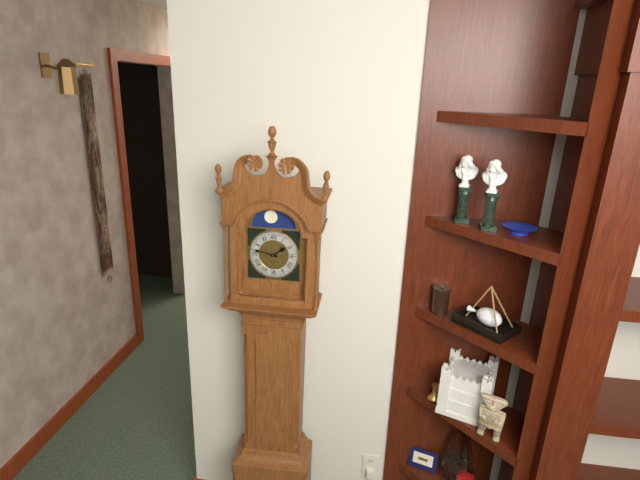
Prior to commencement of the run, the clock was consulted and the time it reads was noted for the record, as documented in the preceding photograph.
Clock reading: 1:47
